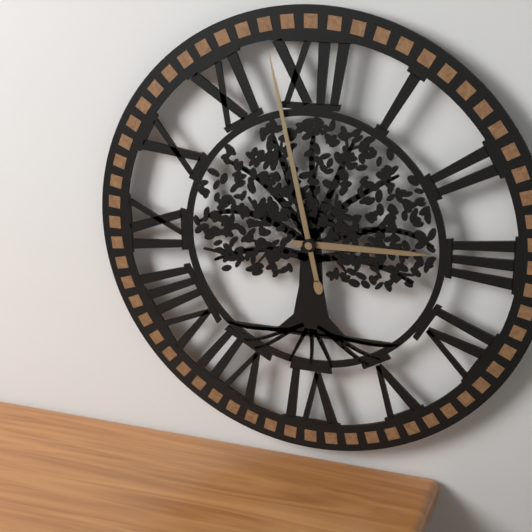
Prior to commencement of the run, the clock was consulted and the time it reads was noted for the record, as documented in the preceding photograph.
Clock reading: 2:58
